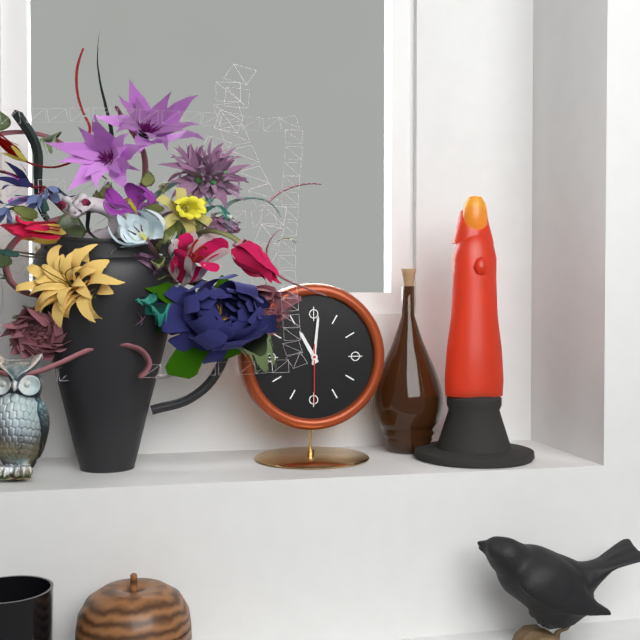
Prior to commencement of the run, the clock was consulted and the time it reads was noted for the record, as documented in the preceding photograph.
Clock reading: 11:01:30
